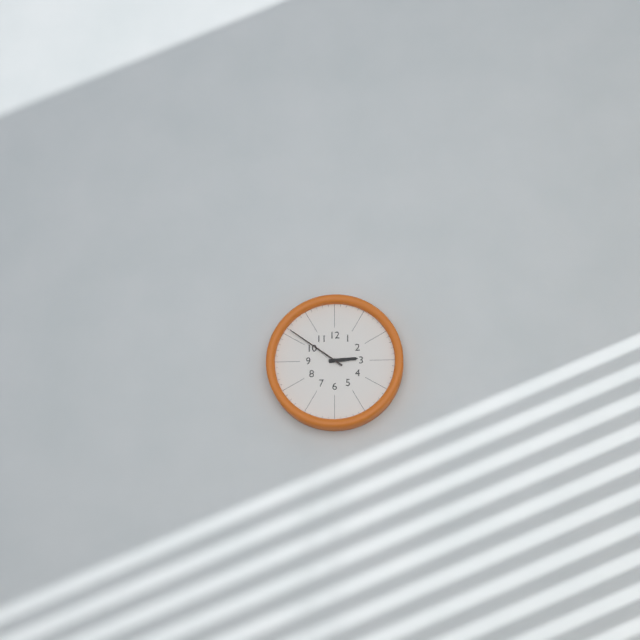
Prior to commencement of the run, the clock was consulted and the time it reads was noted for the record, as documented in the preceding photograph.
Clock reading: 2:51
